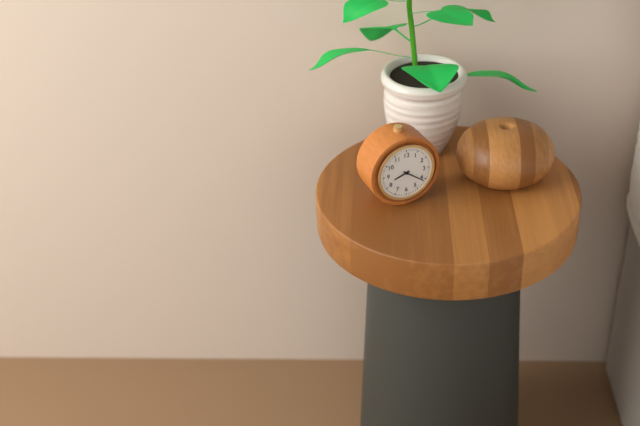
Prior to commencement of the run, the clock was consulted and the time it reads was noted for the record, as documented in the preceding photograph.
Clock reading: 8:21
